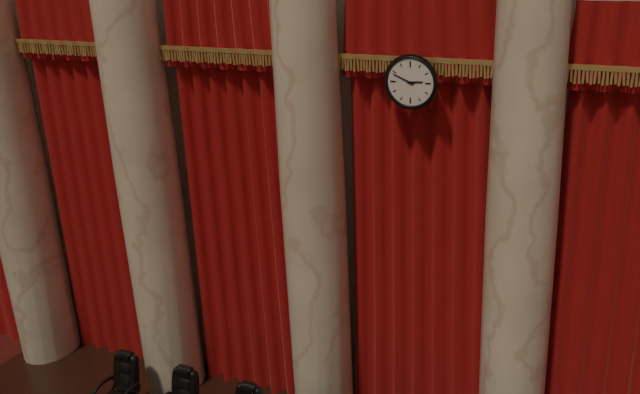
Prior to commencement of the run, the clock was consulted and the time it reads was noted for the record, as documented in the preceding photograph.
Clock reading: 2:49
